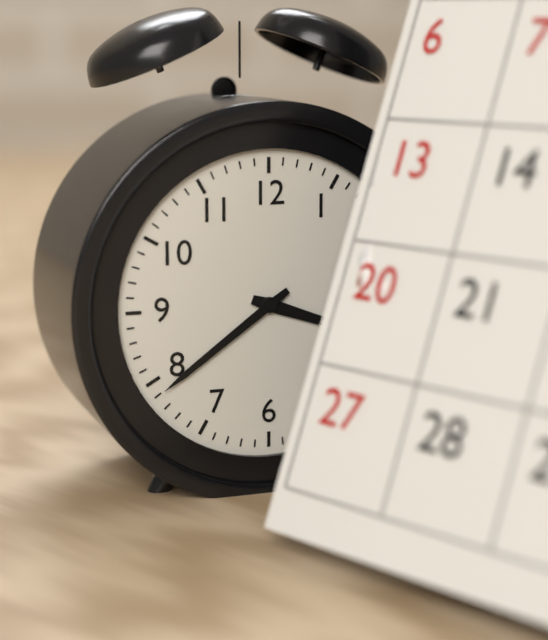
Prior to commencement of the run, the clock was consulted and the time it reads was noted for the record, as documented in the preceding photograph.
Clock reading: 3:39
